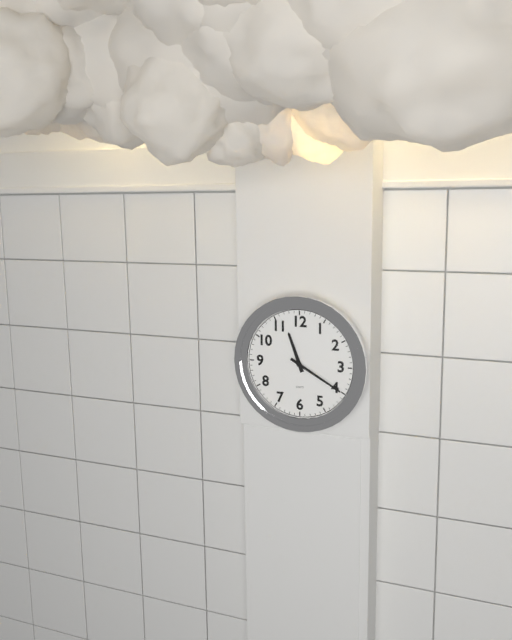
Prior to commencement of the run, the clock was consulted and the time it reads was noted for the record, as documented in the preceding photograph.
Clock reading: 11:20
